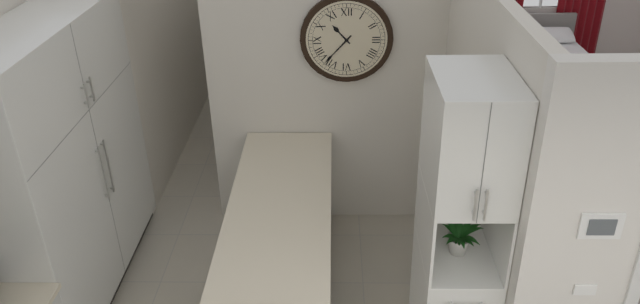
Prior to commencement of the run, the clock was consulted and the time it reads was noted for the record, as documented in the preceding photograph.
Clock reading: 10:37
